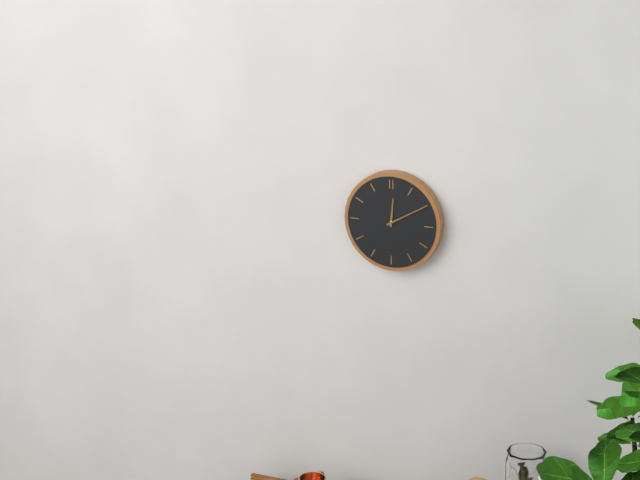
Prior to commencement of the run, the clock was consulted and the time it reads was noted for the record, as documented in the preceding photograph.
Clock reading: 12:10
